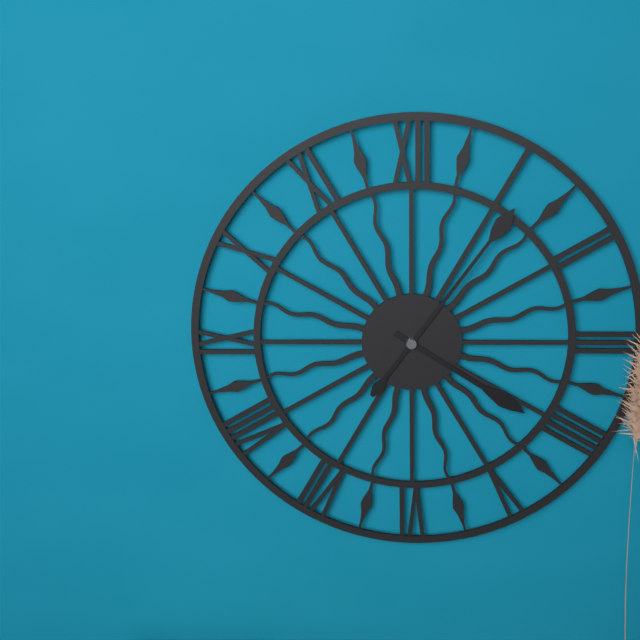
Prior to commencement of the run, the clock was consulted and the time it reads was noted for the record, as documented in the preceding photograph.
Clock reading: 4:06
